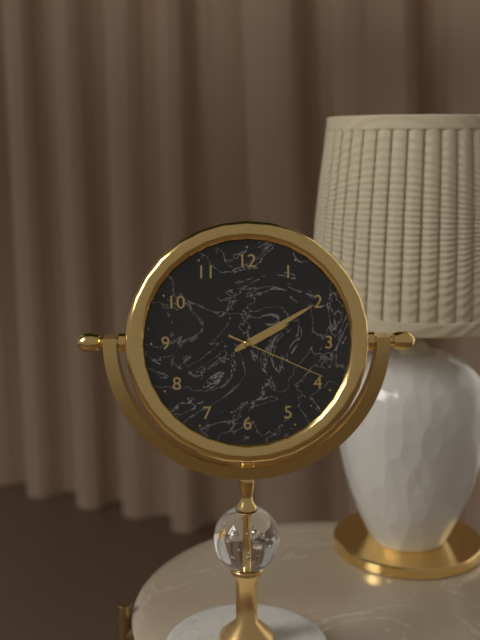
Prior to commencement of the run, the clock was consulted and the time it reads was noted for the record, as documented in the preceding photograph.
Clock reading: 2:10:19
